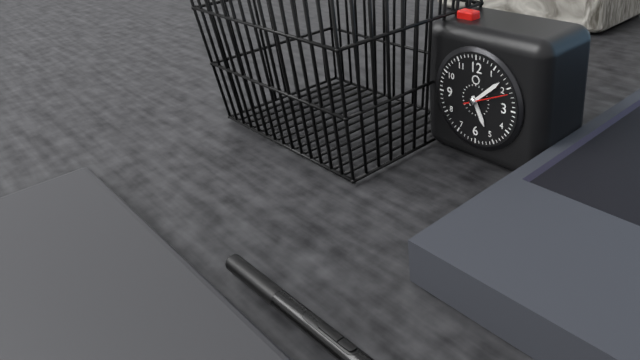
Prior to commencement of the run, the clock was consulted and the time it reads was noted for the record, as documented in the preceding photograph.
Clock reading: 5:08
